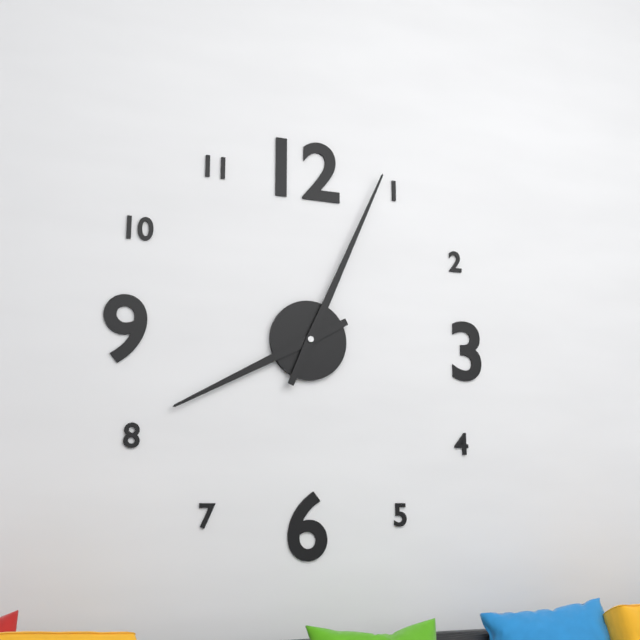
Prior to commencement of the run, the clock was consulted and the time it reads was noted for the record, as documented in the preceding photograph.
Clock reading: 8:04
